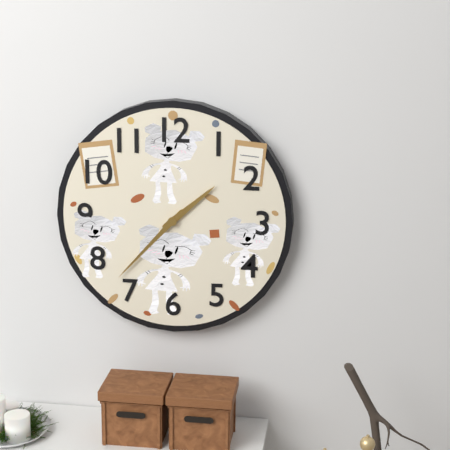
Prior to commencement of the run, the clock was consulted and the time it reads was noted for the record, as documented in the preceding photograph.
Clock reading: 1:37
